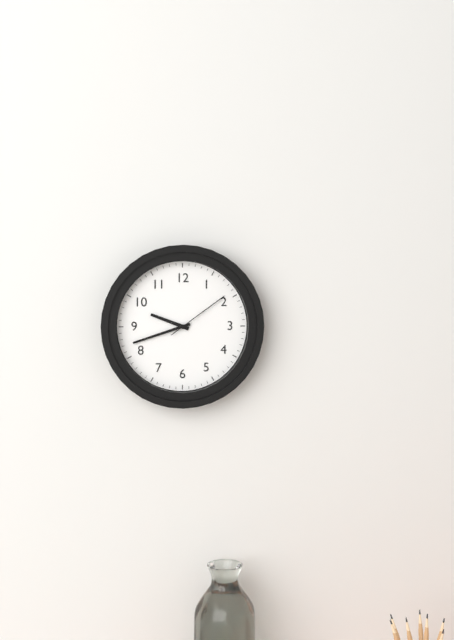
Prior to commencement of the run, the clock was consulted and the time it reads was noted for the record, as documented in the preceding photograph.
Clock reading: 9:42:09
